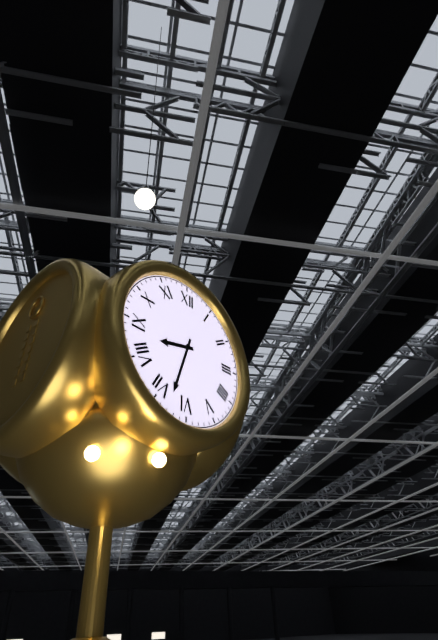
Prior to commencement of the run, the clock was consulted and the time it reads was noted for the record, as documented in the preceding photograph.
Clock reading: 8:33
